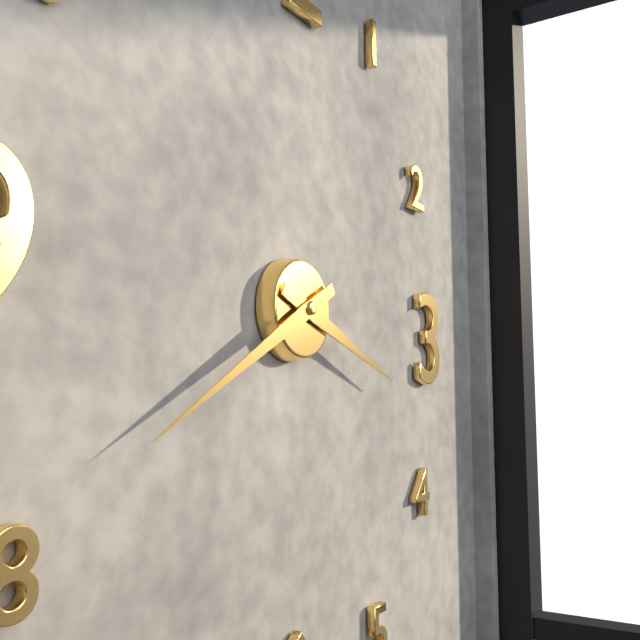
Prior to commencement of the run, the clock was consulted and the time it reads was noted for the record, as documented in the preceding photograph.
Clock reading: 3:40
